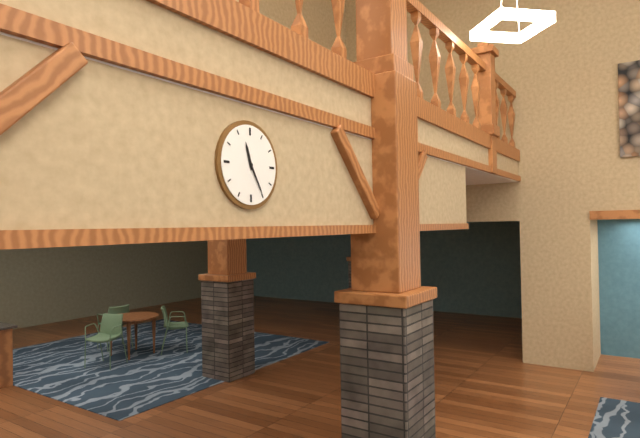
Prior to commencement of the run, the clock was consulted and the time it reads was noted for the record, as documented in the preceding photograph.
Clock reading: 11:25
